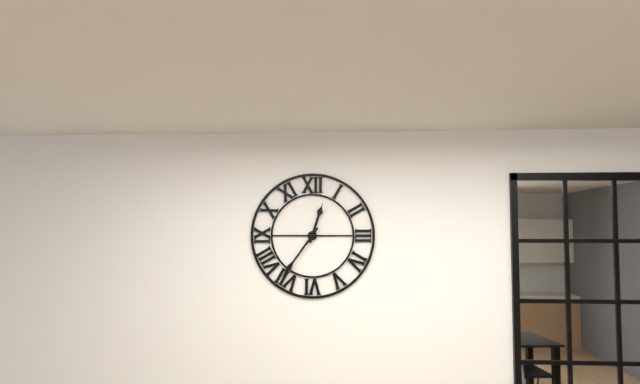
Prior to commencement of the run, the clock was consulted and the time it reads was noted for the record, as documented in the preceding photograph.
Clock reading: 12:36
